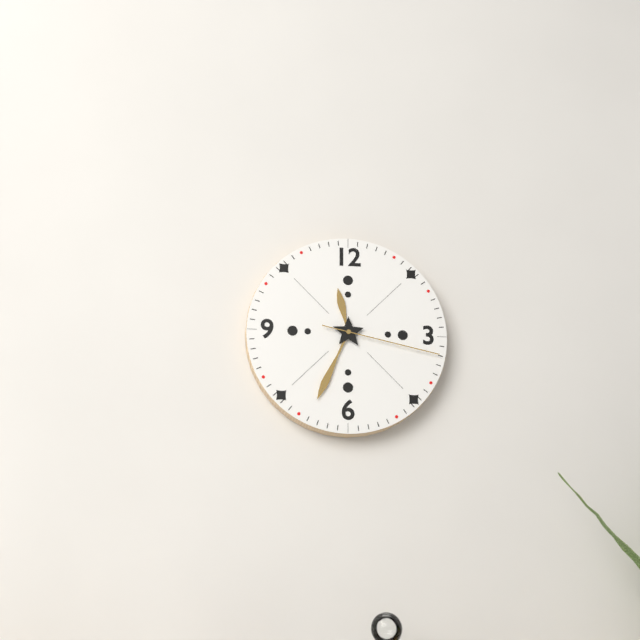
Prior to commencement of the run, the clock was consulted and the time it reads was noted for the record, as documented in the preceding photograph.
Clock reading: 11:34:17
